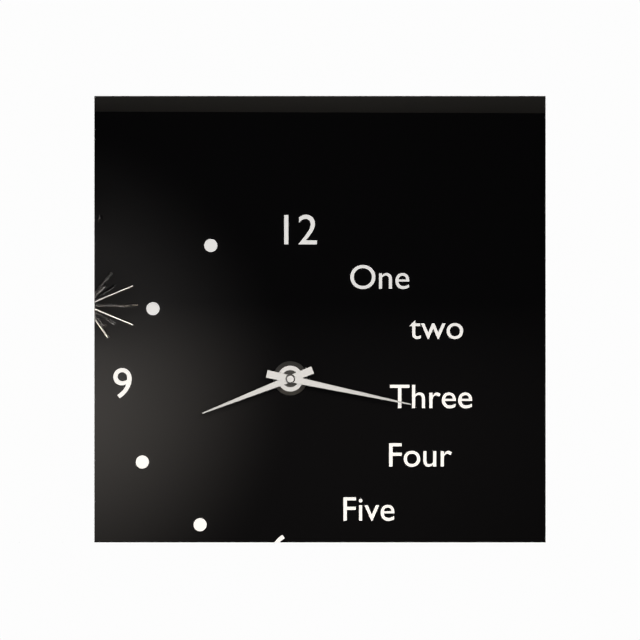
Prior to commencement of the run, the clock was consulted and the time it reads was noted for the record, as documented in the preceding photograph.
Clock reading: 8:17
